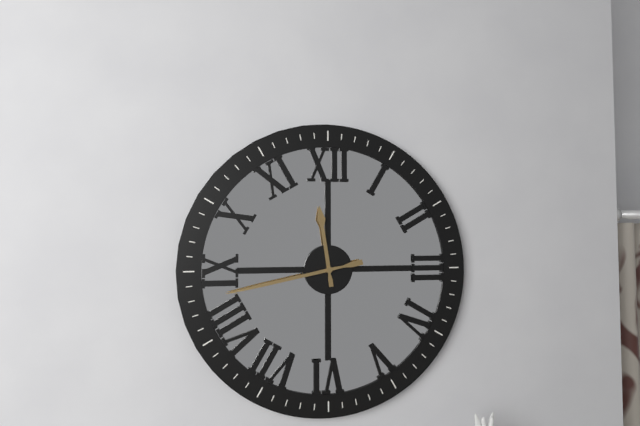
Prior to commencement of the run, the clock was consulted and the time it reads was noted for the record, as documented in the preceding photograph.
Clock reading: 11:43
